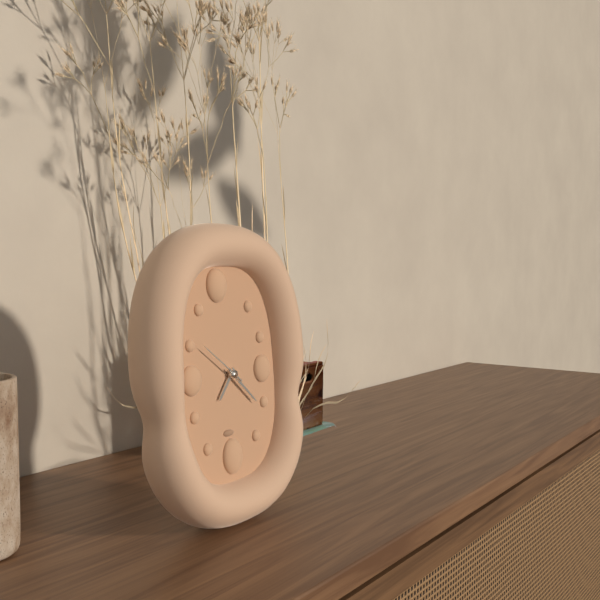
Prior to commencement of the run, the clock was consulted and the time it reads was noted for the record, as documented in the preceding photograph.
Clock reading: 7:22:51
